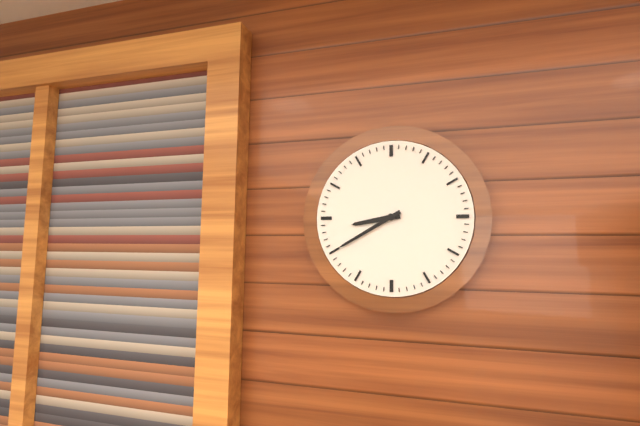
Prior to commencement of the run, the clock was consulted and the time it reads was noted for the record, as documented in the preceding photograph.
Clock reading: 8:40
